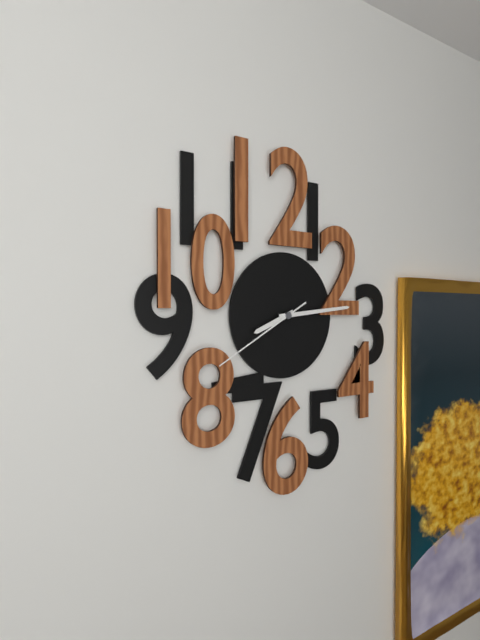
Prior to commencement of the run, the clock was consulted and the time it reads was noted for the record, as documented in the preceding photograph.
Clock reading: 8:14:40
